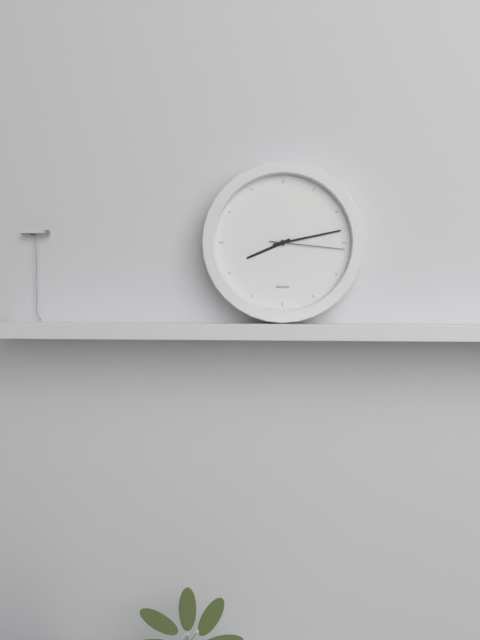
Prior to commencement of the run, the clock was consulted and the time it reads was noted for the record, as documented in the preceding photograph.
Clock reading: 8:13:16
